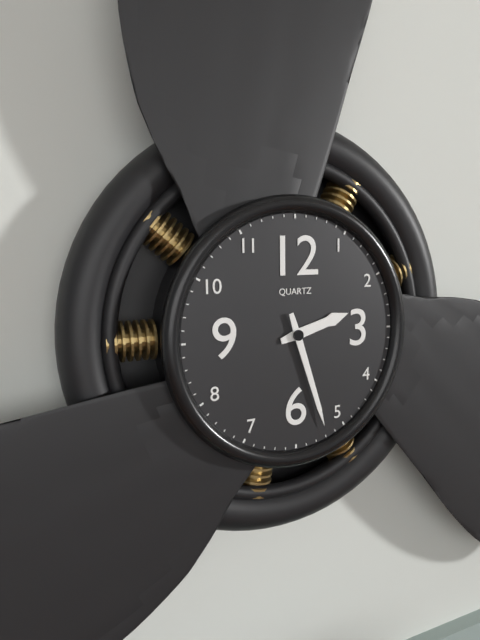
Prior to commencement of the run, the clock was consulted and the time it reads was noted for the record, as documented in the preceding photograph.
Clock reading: 2:27
